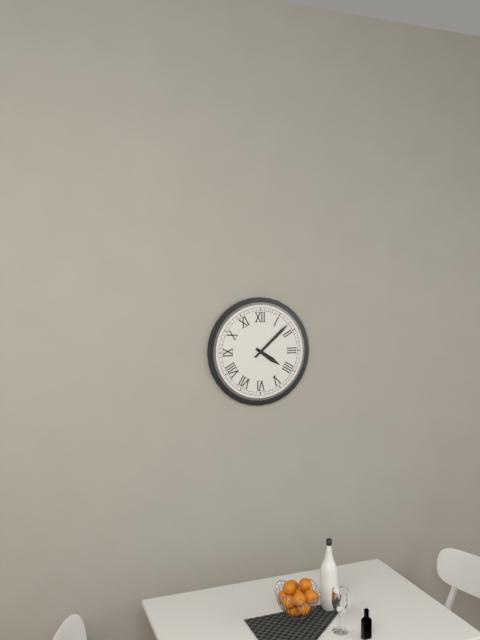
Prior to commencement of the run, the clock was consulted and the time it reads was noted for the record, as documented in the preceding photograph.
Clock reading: 4:08
